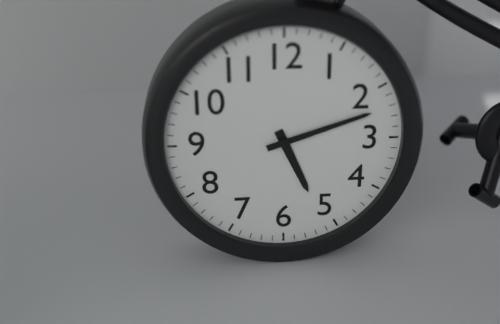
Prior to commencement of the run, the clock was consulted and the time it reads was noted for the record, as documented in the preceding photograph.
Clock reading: 5:12
